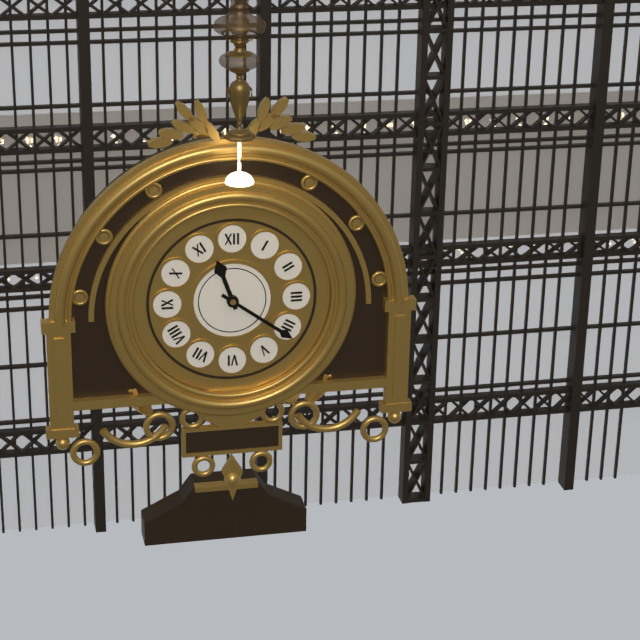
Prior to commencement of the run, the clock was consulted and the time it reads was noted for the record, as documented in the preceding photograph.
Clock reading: 11:21
